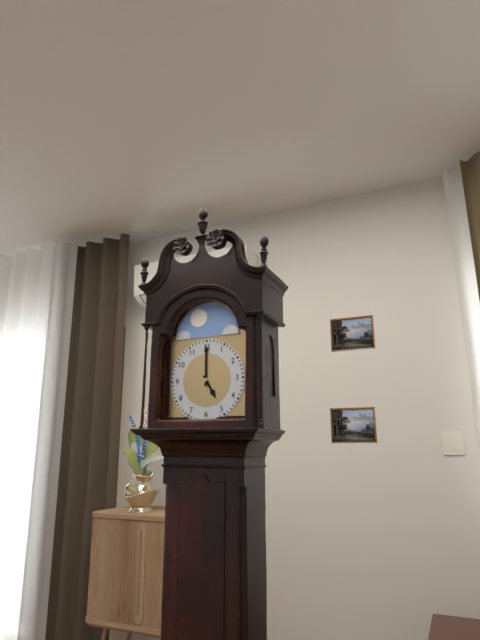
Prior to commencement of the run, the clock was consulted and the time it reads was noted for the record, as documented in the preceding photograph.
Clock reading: 5:00
